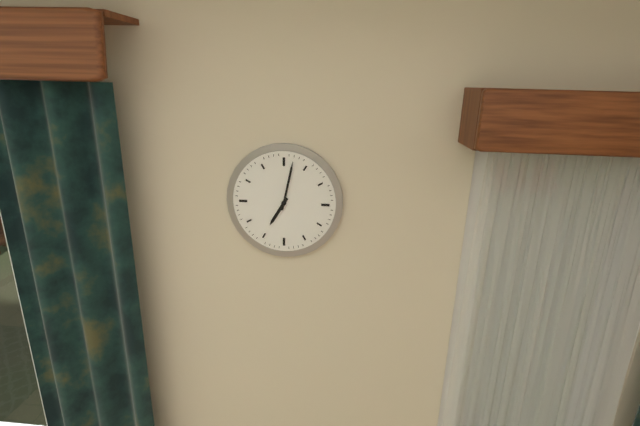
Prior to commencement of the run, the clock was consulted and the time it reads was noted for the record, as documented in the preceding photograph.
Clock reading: 7:02
